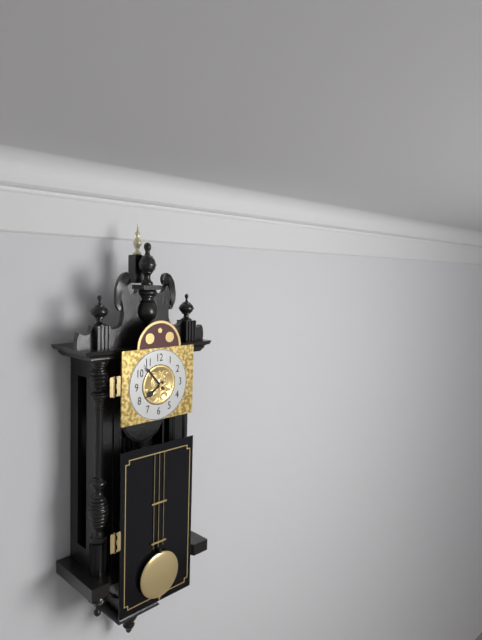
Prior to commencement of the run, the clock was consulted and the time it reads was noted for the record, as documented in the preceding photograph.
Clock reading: 7:53
